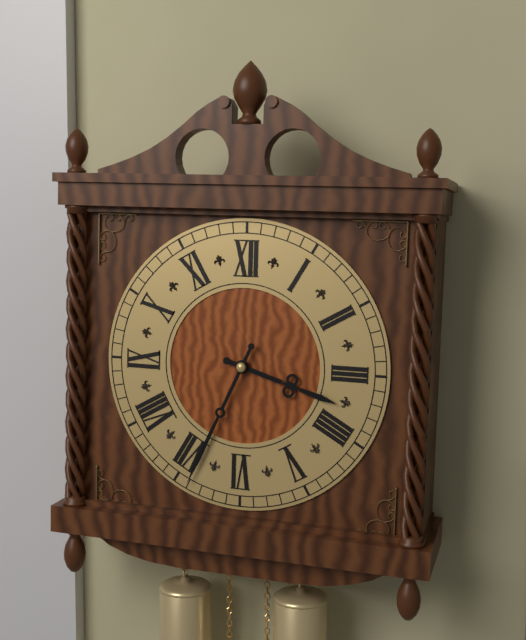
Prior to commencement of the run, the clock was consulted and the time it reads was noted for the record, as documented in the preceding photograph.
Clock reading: 3:34
